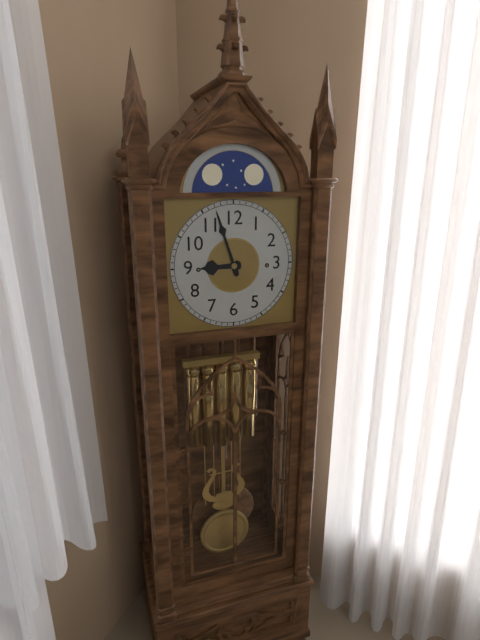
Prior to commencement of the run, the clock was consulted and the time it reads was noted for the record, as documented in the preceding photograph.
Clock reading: 8:57
